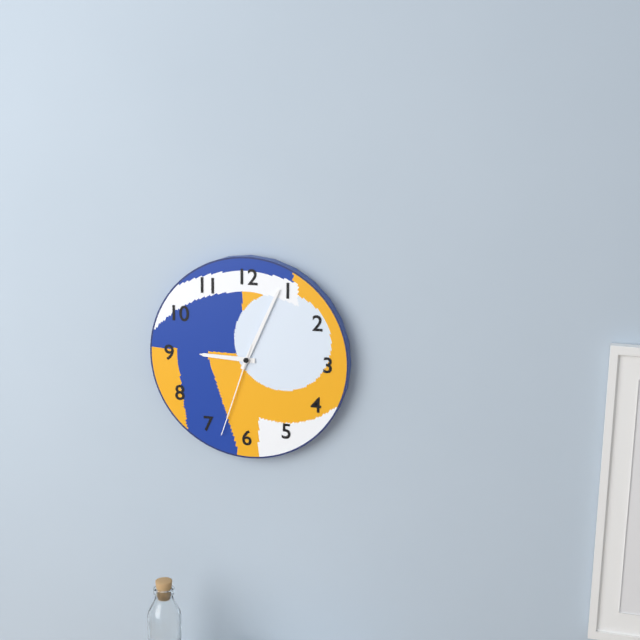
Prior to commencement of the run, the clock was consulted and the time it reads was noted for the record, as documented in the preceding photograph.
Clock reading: 9:04:33
